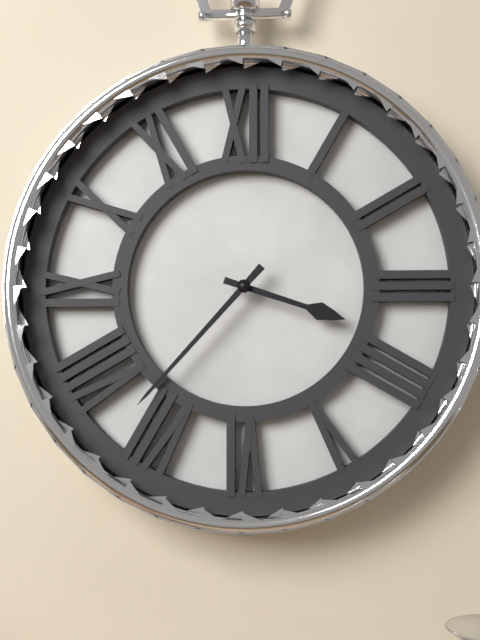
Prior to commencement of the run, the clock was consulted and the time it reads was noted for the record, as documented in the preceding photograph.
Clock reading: 3:37
